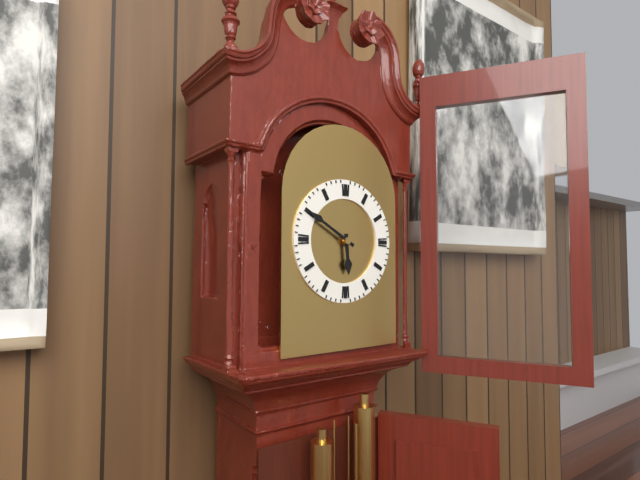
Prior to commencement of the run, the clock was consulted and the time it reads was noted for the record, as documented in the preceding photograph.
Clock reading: 5:50
